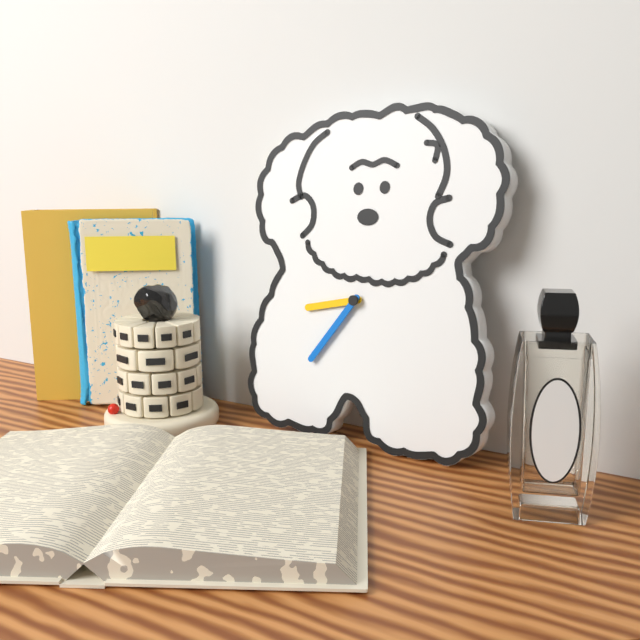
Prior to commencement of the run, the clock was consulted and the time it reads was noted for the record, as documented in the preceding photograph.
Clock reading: 8:36
